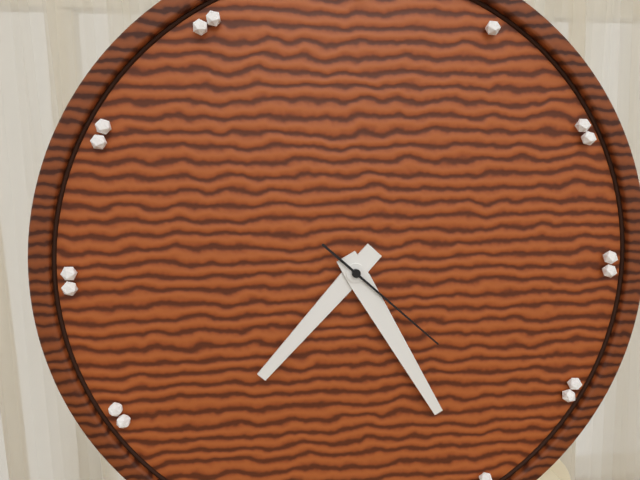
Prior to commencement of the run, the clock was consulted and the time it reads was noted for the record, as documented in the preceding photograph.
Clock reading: 7:25:22
